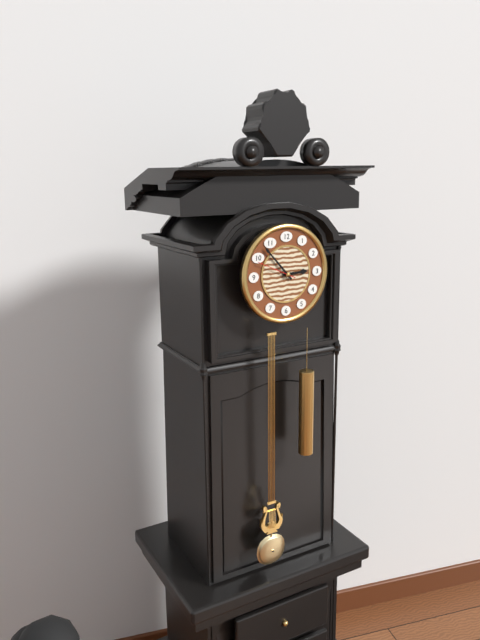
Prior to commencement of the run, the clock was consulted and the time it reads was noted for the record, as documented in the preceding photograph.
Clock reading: 2:53
